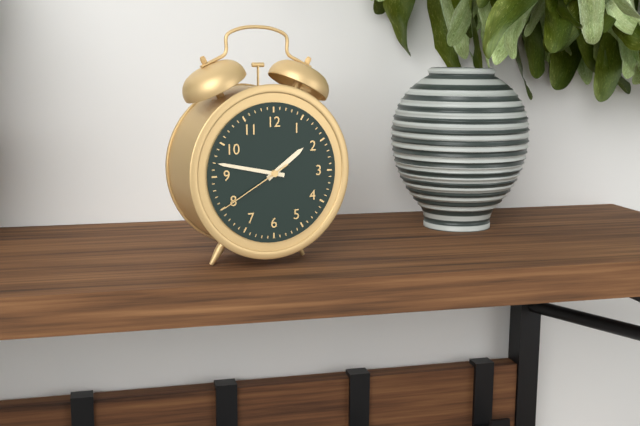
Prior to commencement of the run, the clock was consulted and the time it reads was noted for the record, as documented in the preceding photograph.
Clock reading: 1:47:40
